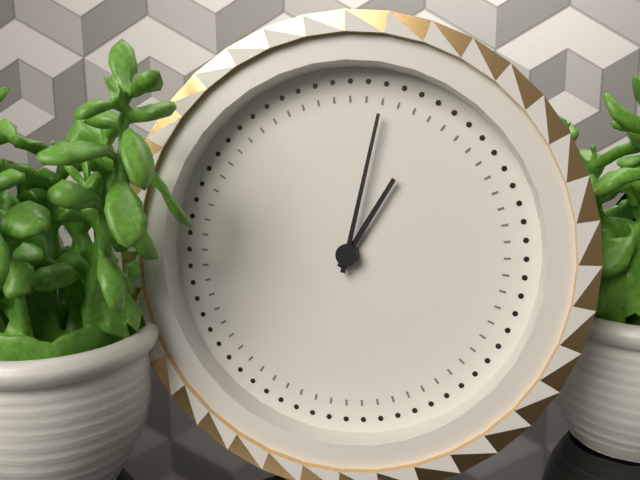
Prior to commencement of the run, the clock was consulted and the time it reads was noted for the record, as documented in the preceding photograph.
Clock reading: 1:02
